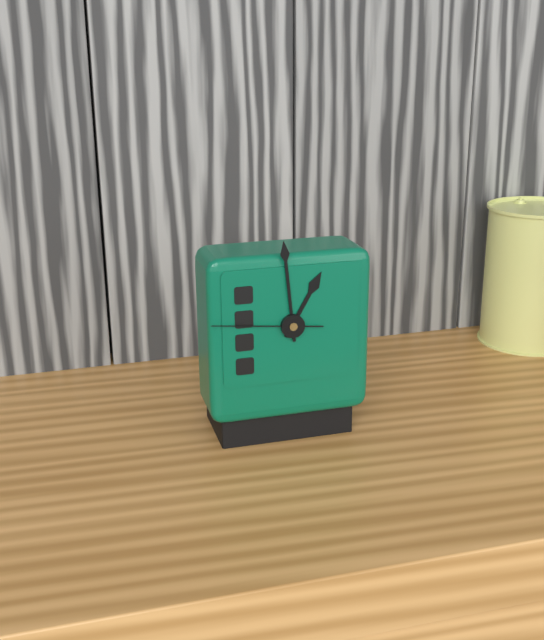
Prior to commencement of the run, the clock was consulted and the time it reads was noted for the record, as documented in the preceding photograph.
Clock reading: 12:59:46
